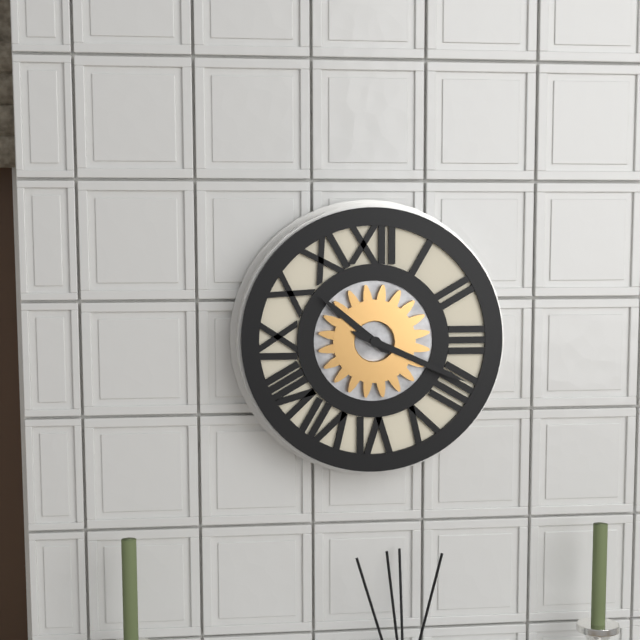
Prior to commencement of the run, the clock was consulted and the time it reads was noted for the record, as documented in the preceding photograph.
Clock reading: 10:19
